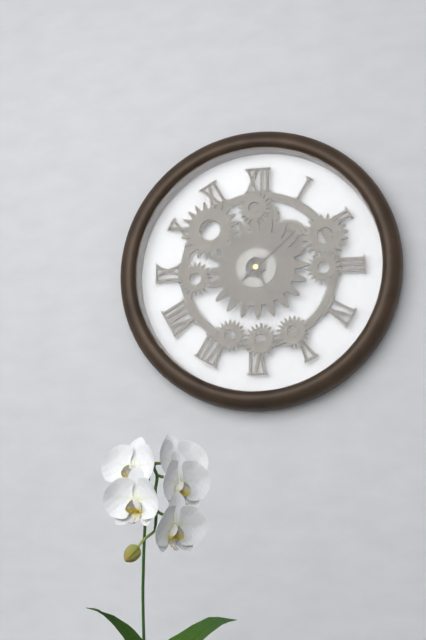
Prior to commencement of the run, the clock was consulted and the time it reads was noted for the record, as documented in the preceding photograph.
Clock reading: 5:08
